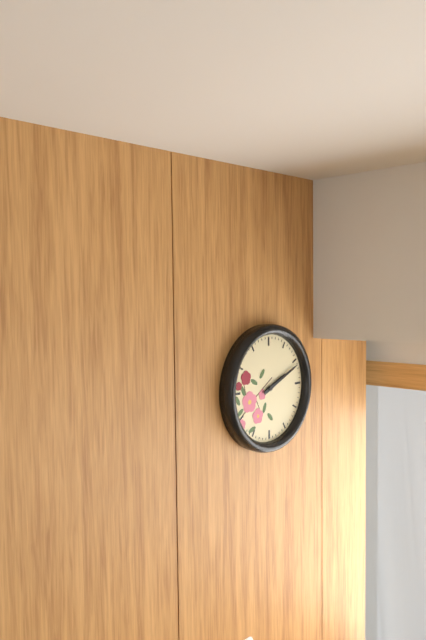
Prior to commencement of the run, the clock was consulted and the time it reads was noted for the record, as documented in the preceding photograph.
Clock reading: 2:11
